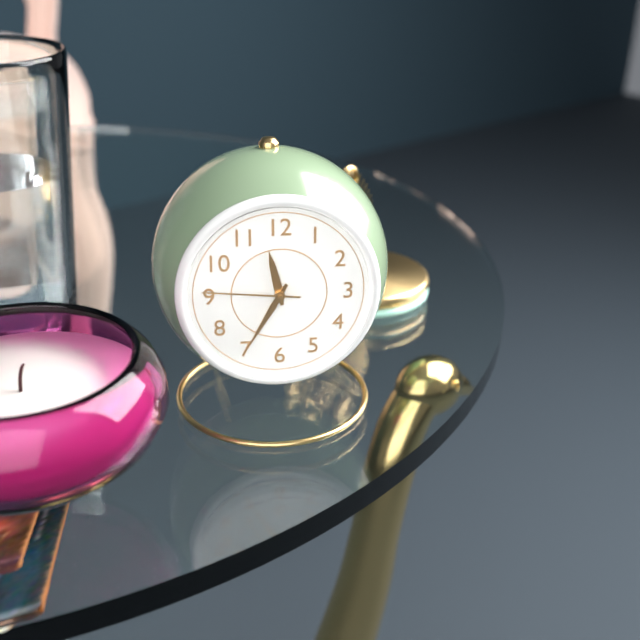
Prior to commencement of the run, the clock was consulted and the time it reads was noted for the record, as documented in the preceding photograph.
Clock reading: 11:35:46
